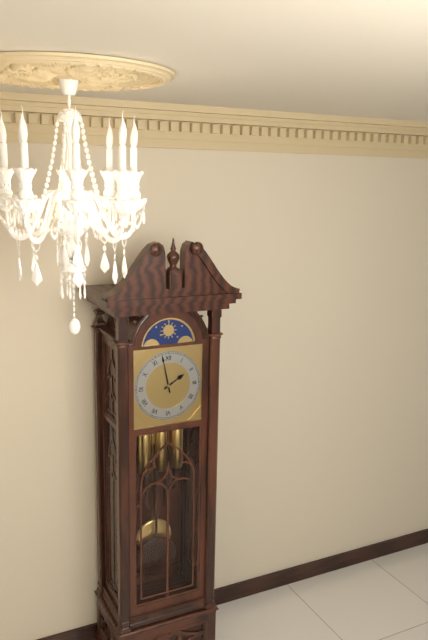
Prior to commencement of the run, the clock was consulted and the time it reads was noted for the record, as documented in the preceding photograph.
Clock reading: 1:58
